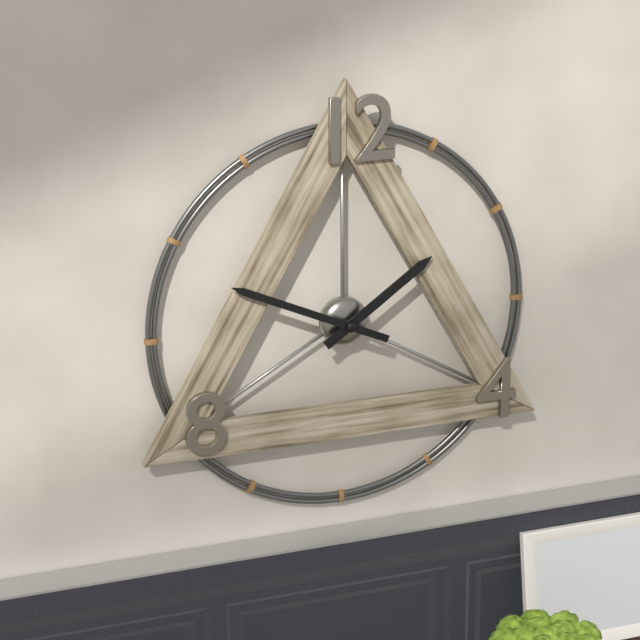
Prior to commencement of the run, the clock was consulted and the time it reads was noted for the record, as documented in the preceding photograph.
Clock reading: 1:49
